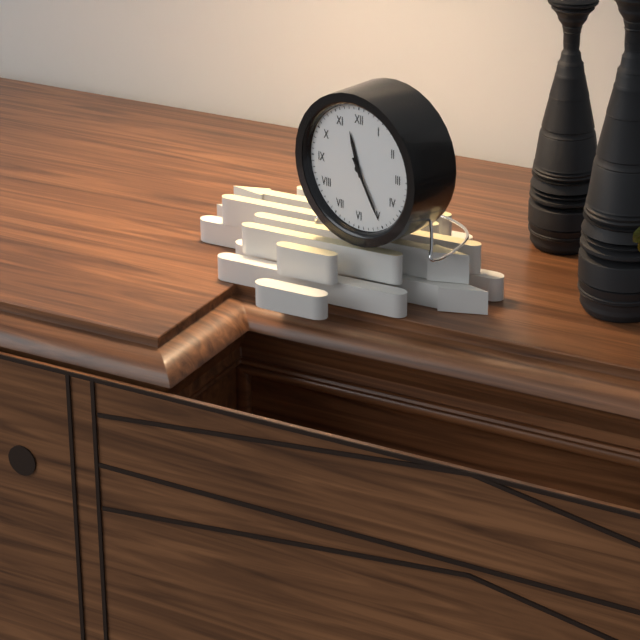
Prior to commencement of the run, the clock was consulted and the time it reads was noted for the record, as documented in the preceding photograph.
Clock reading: 11:25
